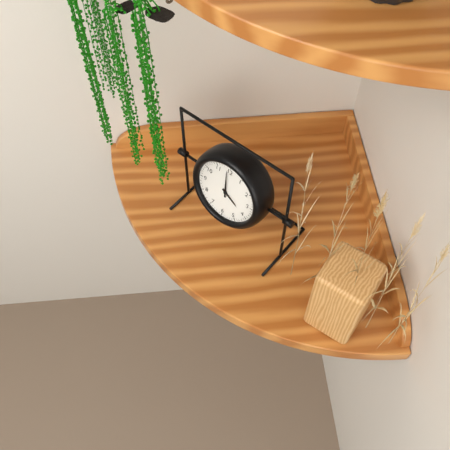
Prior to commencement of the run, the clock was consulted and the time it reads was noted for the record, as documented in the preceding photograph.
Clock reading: 3:59
